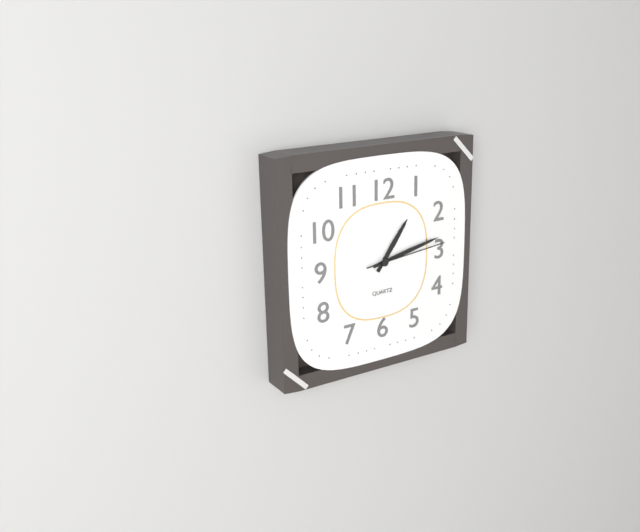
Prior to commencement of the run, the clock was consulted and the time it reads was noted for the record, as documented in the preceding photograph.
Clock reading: 1:13:14
